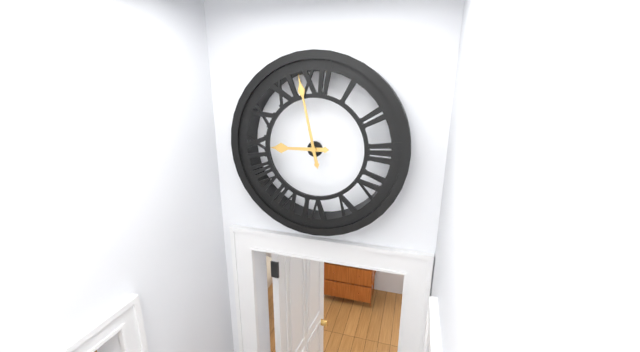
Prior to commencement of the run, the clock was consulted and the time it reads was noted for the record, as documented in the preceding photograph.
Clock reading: 8:58
